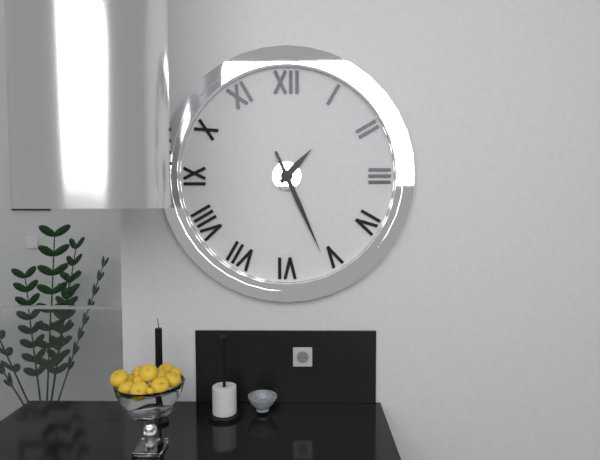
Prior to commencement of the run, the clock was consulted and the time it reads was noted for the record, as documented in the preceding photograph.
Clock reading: 1:26
